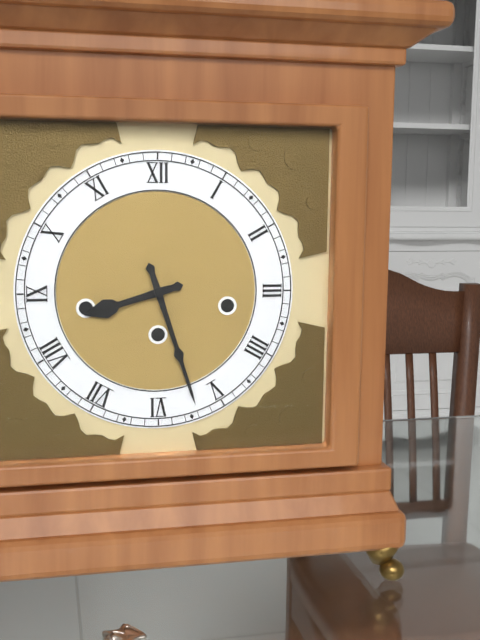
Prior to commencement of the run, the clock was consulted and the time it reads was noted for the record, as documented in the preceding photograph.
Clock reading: 8:27
